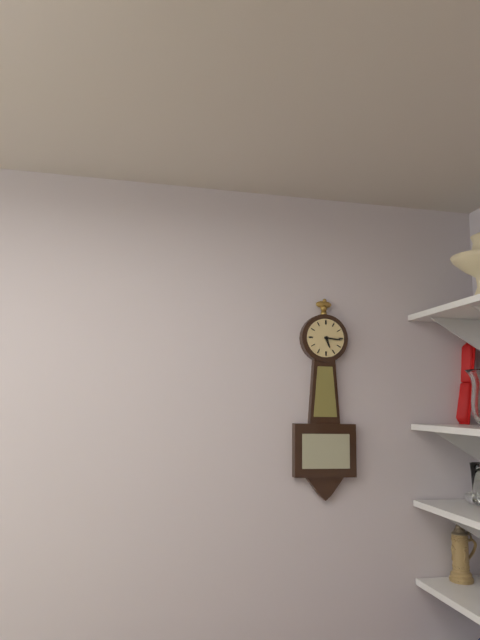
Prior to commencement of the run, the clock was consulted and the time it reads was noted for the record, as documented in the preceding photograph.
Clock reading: 5:16
